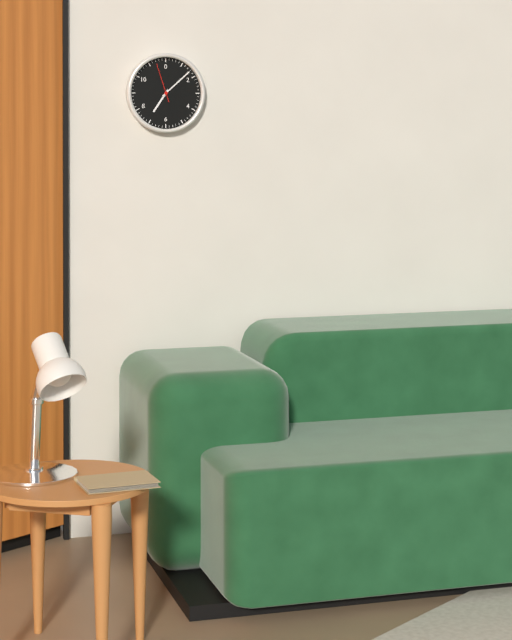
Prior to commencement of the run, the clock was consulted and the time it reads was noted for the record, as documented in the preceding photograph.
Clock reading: 7:08
